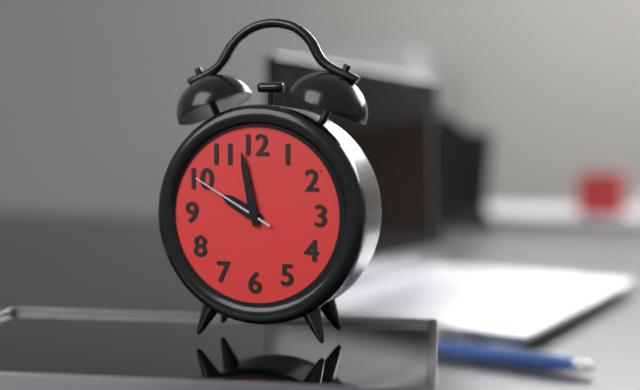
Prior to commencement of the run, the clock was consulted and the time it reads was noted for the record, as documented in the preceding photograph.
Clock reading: 9:58:50
